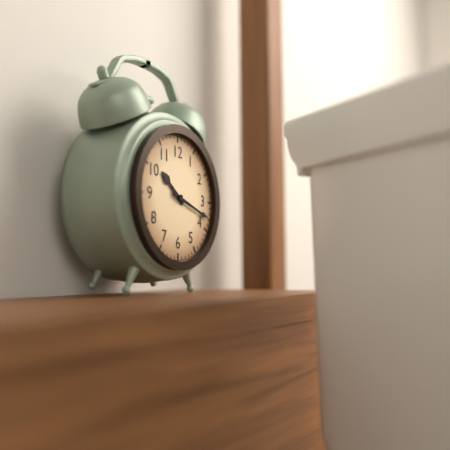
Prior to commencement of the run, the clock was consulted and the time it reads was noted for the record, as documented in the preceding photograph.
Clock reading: 10:18
